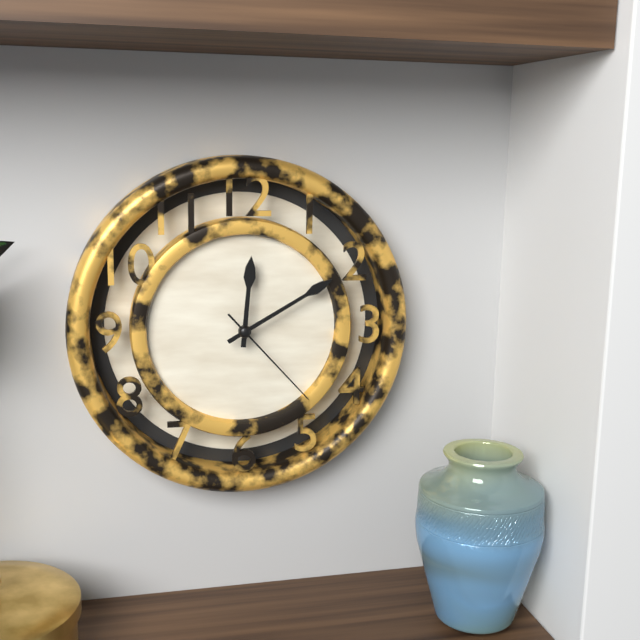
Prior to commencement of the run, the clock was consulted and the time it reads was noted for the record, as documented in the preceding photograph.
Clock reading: 12:10:23
